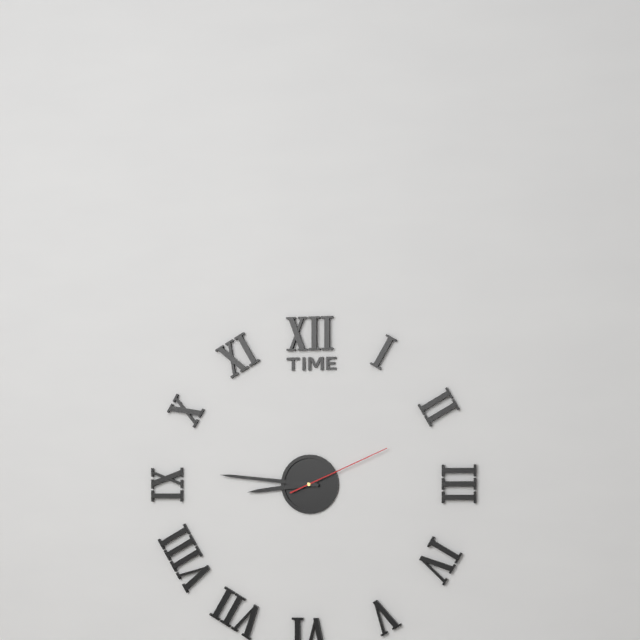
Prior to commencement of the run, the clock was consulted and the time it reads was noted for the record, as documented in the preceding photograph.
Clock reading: 8:46:11
